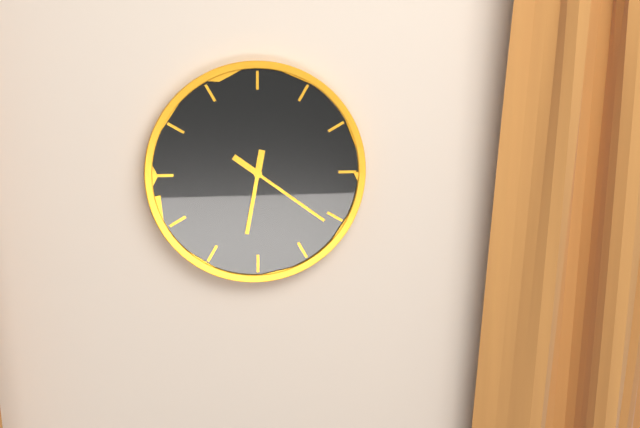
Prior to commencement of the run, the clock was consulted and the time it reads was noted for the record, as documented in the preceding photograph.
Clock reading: 6:21
